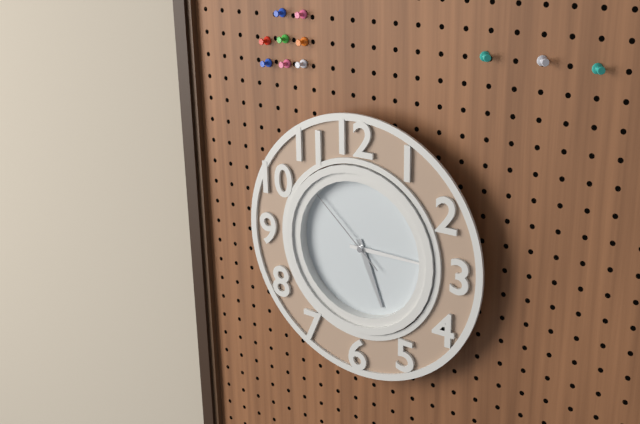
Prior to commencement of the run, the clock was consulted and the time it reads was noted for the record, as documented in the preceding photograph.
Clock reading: 5:15:52
